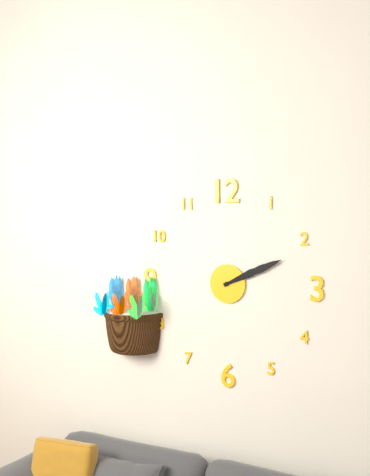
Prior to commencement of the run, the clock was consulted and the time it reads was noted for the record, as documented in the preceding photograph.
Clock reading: 2:11
